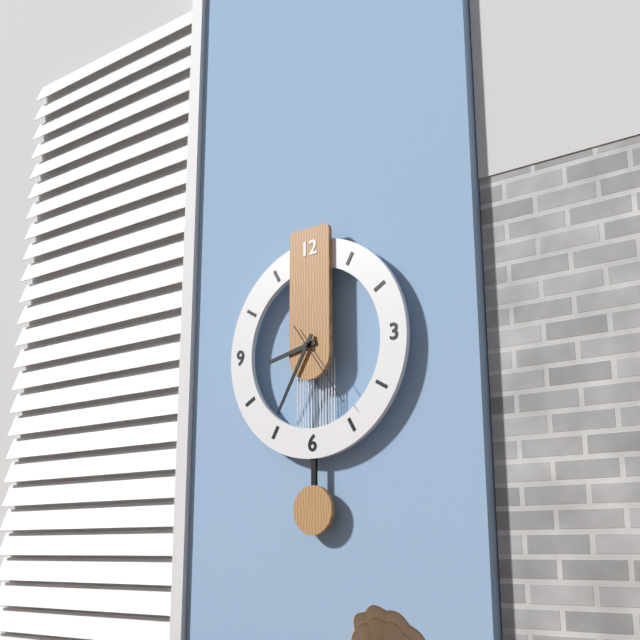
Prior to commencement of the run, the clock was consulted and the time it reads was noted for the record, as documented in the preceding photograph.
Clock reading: 8:35:24
